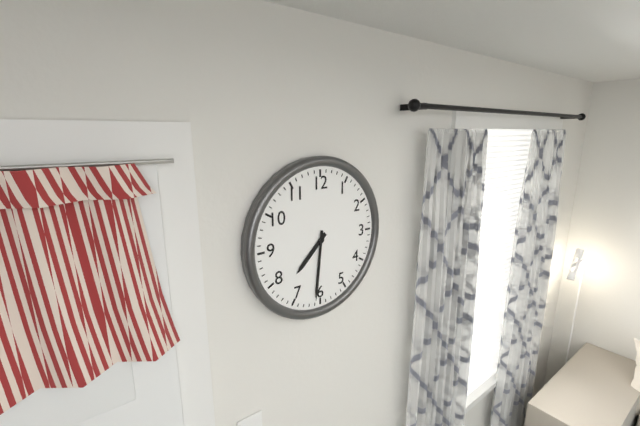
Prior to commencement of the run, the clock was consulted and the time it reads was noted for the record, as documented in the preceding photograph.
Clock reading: 7:31
